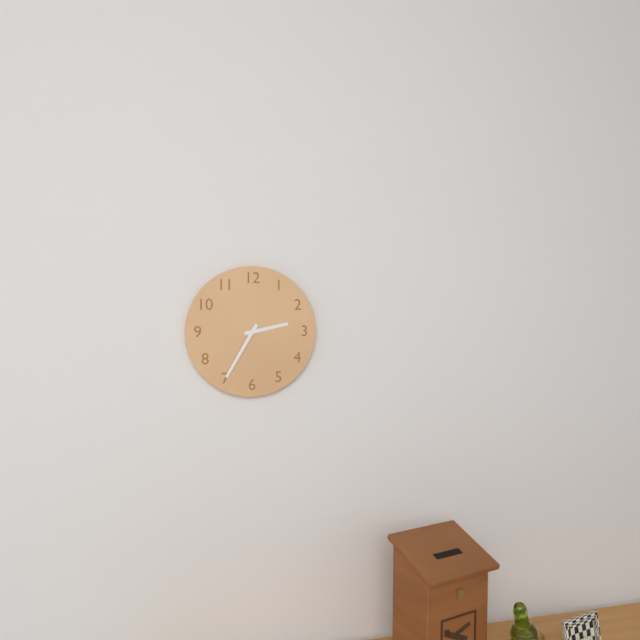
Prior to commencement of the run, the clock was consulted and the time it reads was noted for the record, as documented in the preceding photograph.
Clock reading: 2:35
